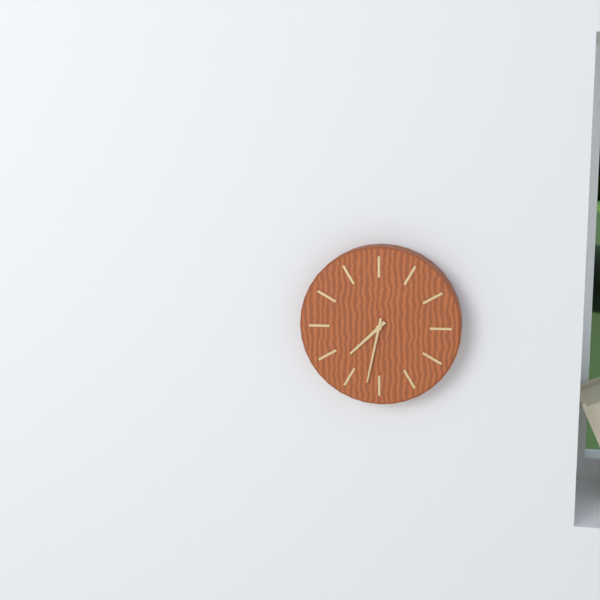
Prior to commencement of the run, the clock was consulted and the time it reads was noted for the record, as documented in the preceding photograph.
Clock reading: 7:32
